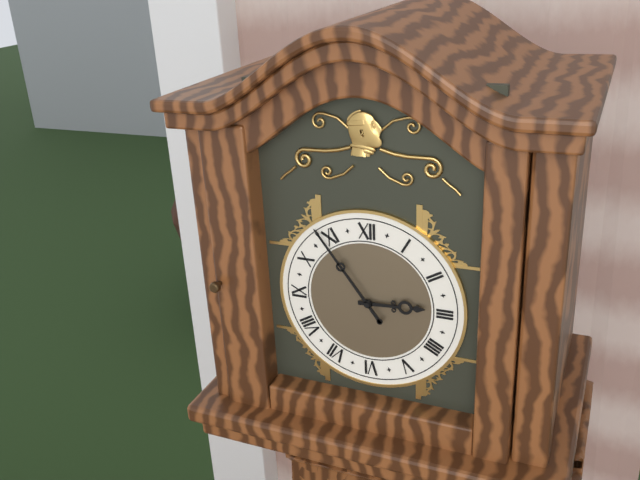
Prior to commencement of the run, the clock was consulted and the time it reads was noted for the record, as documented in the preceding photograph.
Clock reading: 2:54
